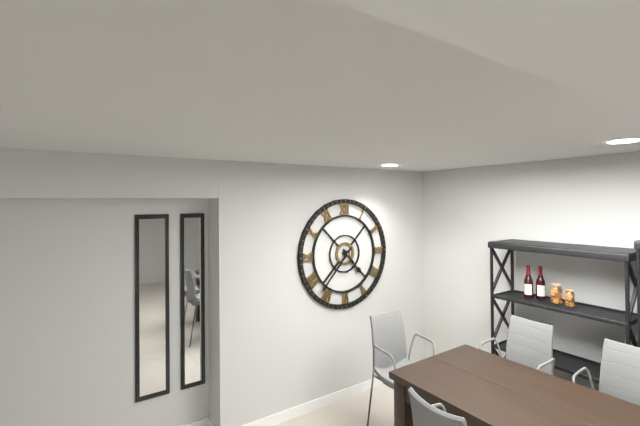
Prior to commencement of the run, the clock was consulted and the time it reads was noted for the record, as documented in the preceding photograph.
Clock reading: 4:37
